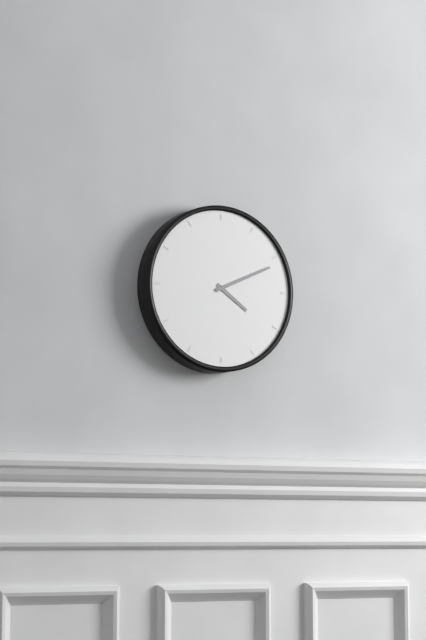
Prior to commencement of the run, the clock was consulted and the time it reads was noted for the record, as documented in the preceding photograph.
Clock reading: 4:11
